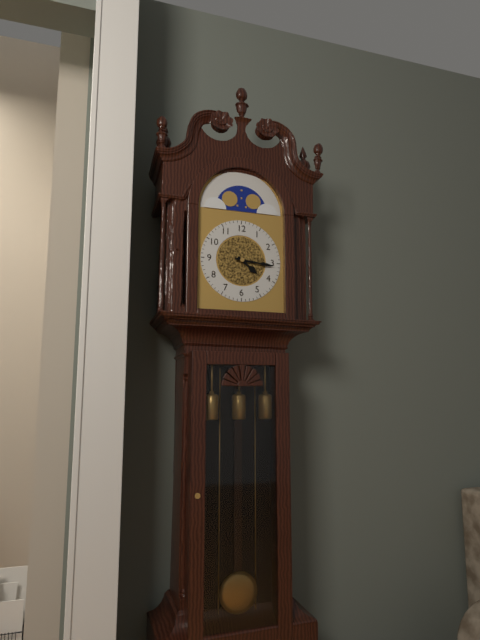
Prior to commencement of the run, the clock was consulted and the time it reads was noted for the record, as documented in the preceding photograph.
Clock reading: 4:16
